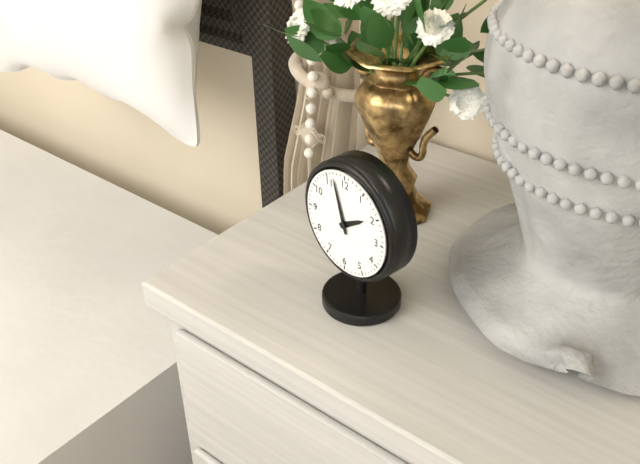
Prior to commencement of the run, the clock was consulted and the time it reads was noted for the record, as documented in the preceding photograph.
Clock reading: 1:57
